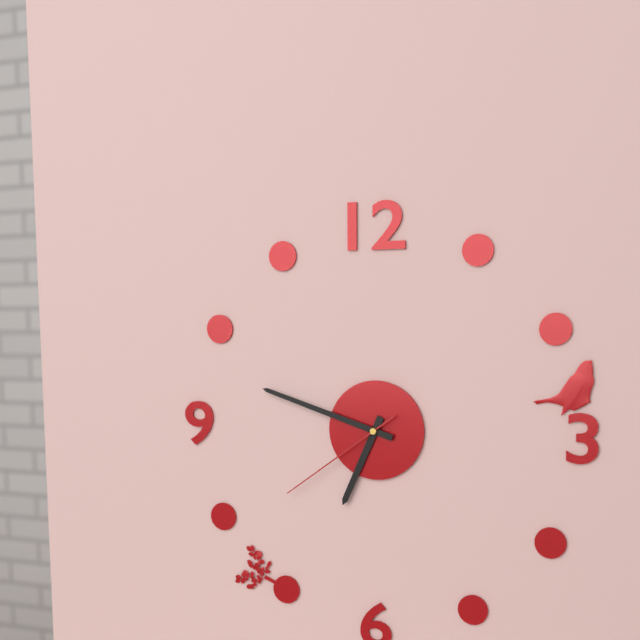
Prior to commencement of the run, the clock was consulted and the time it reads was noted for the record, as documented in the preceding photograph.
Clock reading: 6:48:39
